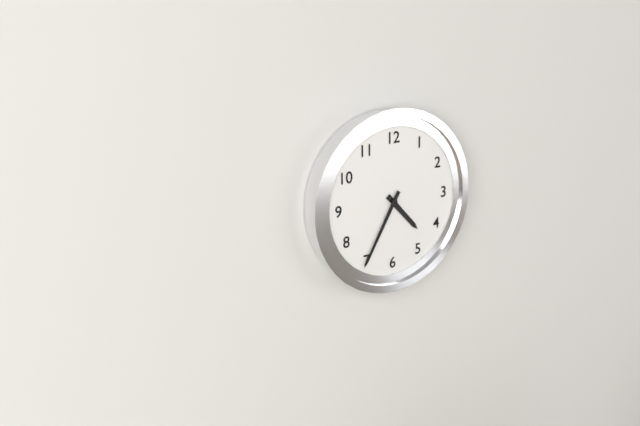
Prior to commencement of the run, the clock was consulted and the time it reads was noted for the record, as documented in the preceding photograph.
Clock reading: 4:35
